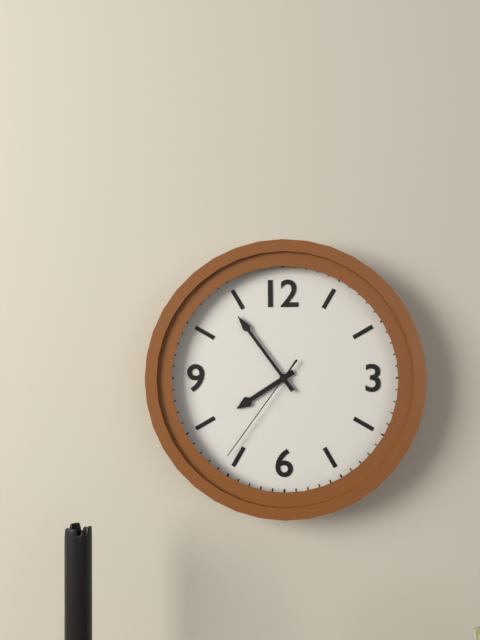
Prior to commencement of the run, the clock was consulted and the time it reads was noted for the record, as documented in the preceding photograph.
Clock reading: 7:54:36
